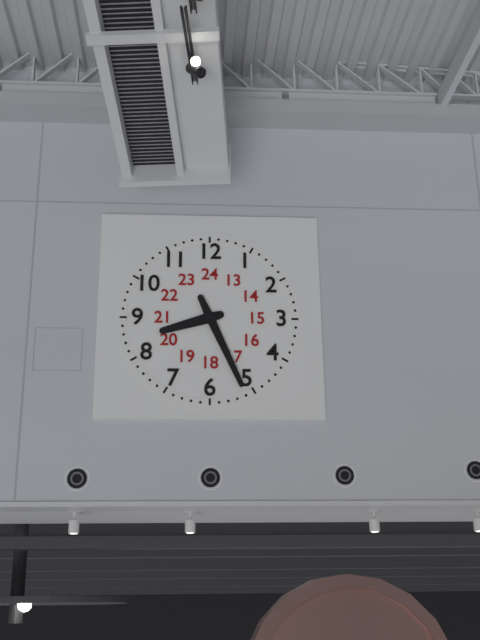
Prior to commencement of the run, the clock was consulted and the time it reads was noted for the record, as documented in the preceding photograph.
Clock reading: 8:26
